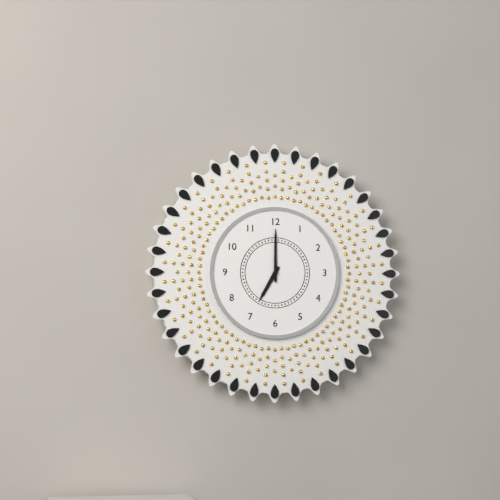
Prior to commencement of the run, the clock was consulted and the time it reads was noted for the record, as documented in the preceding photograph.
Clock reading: 7:00
